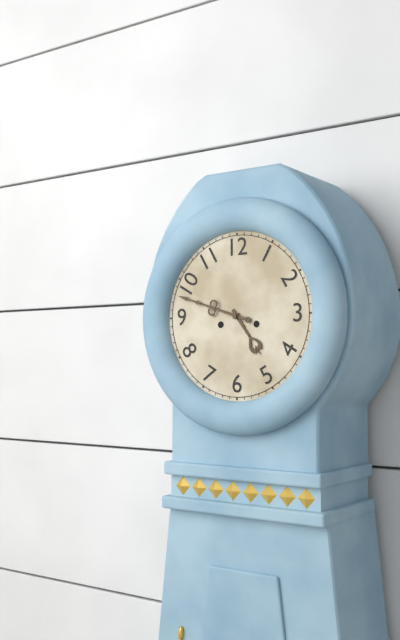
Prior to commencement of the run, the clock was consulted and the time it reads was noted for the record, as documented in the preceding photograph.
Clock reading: 4:48
